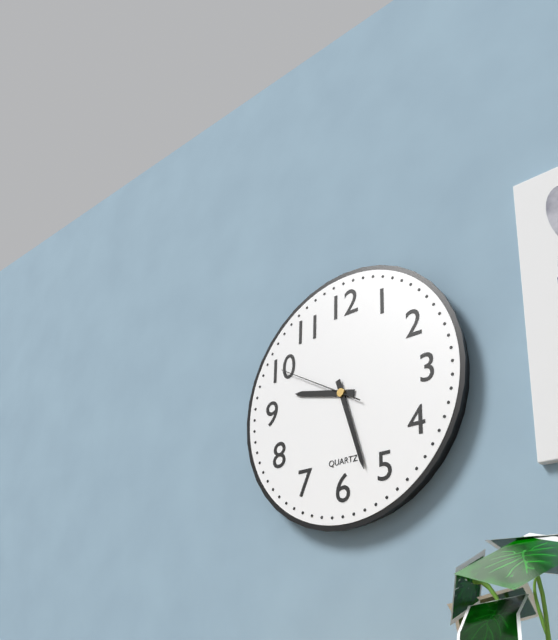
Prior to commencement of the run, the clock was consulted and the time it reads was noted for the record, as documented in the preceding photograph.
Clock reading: 9:27:50
